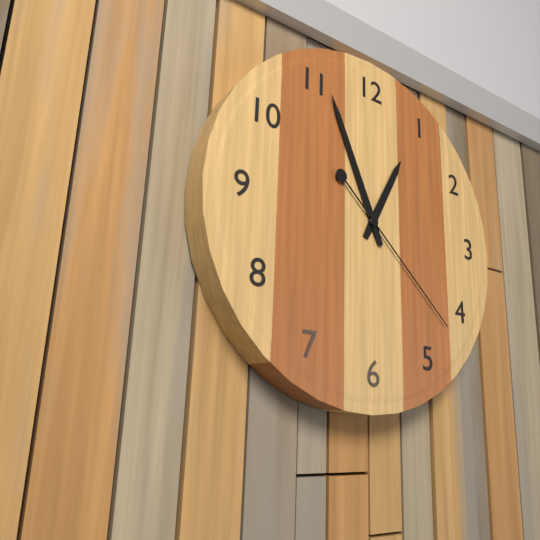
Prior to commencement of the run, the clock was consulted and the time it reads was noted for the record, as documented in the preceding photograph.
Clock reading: 12:56:22
